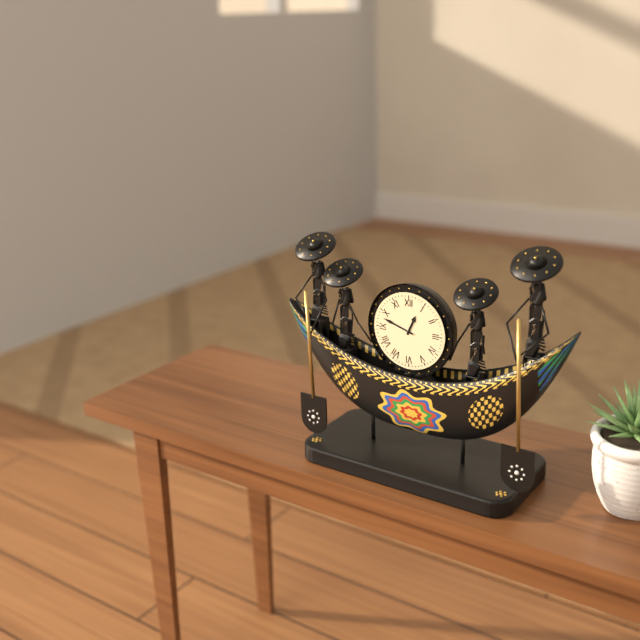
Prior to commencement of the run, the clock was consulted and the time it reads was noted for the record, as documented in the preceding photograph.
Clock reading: 12:48
